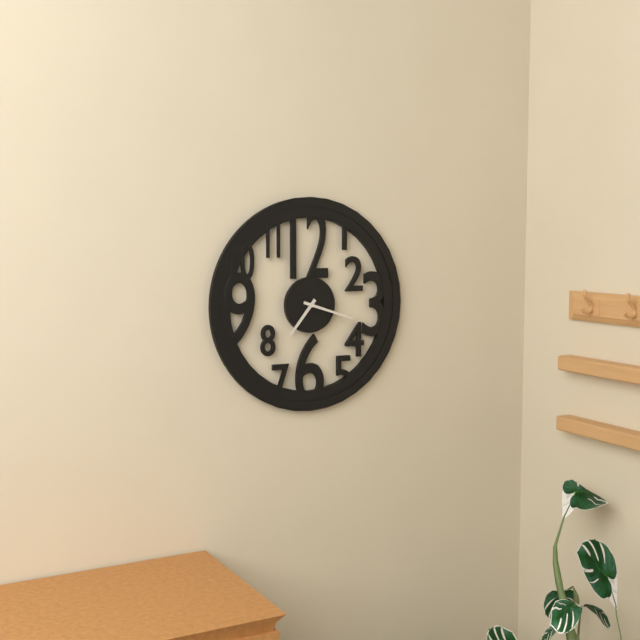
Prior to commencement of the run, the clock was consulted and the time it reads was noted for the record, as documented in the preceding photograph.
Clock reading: 7:18
